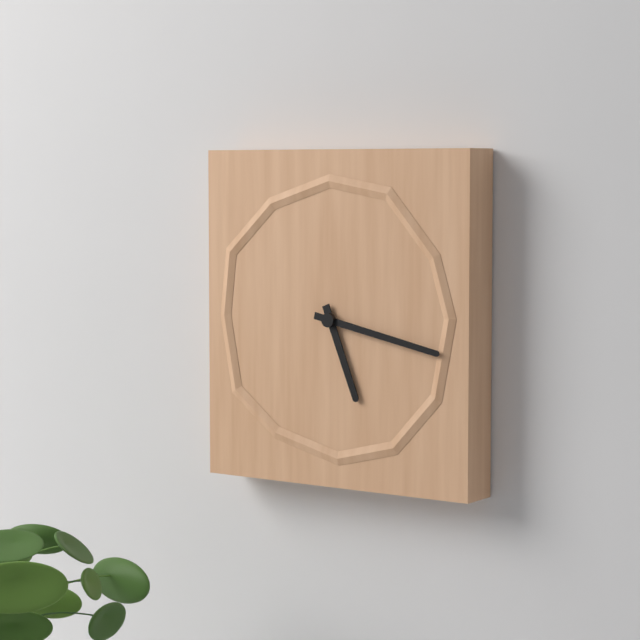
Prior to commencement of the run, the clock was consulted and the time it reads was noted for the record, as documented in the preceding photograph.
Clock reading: 5:17
